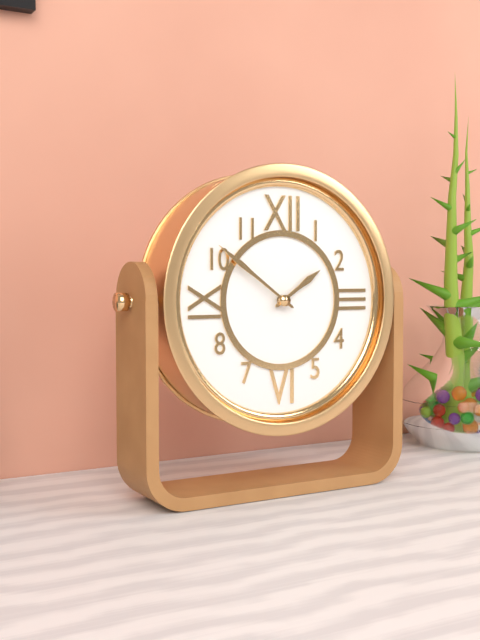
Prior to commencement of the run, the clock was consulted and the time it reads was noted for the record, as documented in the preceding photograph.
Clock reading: 1:51
